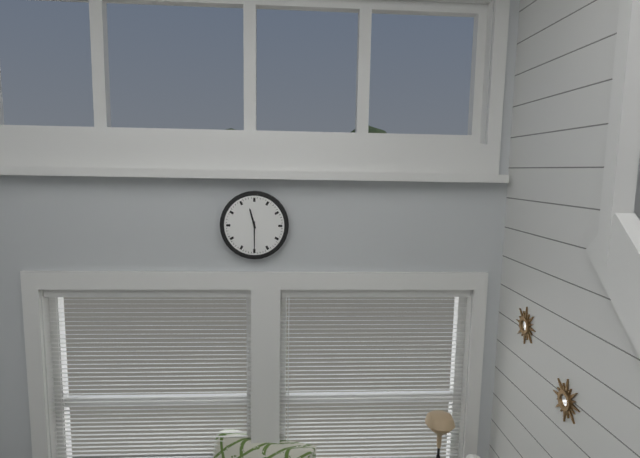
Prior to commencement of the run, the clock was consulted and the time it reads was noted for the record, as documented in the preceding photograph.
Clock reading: 11:30
